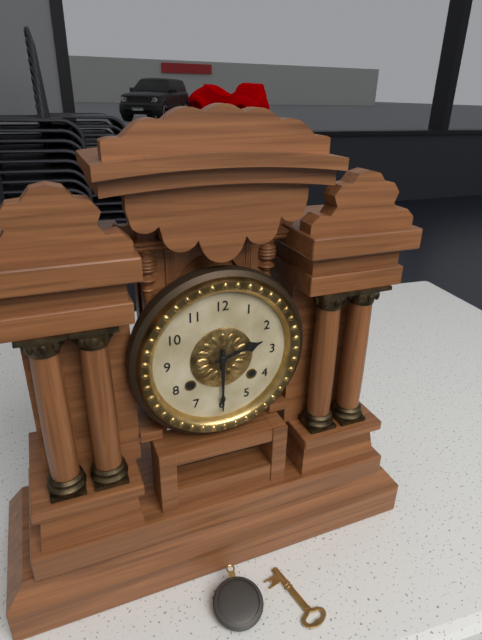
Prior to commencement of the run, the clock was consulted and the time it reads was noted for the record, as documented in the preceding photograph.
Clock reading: 2:30
